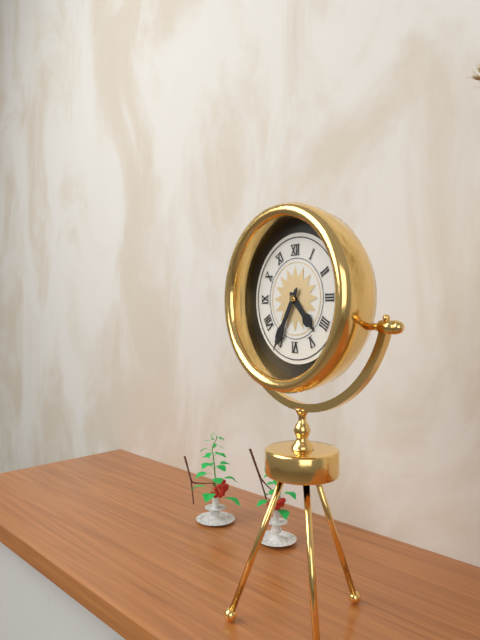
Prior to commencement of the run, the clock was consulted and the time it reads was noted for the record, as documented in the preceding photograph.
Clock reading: 4:35
